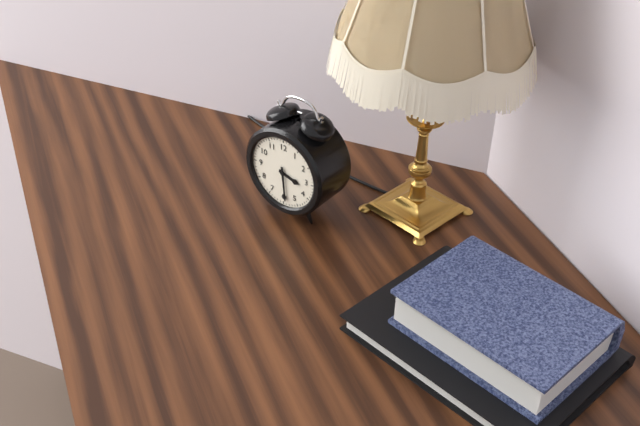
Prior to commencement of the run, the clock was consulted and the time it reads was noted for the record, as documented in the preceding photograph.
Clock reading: 3:29
